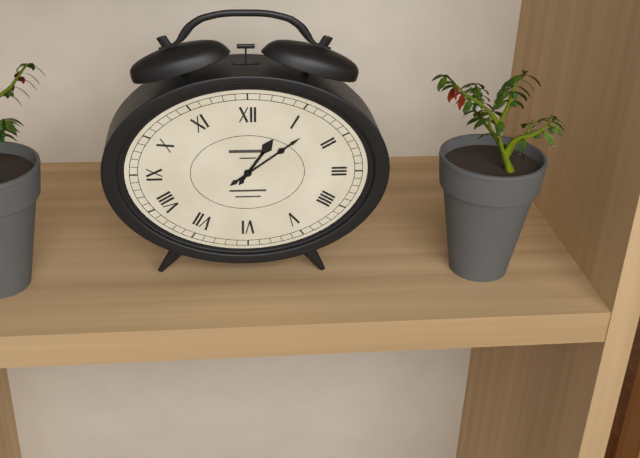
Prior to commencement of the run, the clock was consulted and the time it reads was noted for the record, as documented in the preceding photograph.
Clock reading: 1:09
